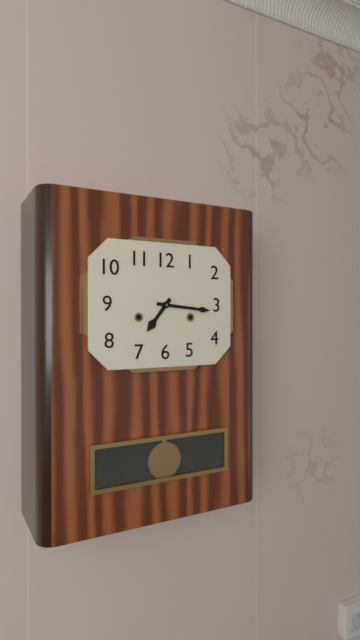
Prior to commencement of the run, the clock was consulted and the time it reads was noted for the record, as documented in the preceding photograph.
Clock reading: 7:16
